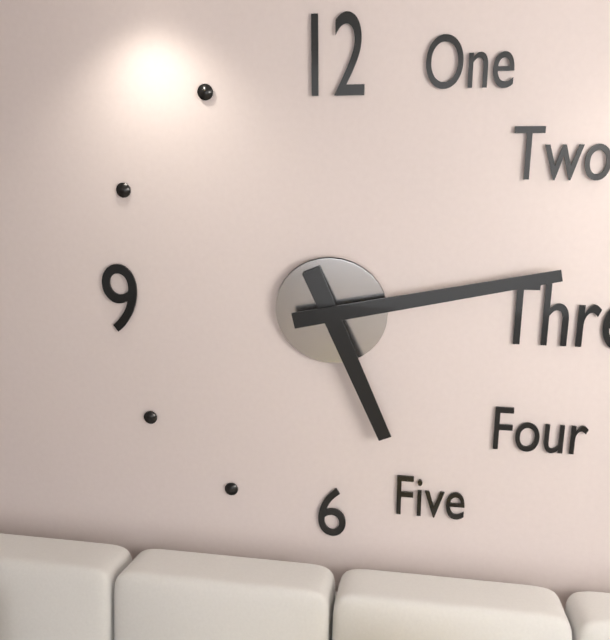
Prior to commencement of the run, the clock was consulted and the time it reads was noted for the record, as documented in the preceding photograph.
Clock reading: 5:13
